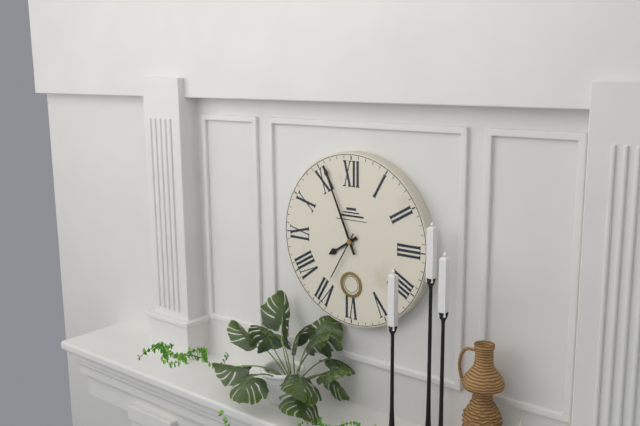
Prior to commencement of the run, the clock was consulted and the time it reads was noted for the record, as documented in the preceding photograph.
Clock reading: 7:56:35
